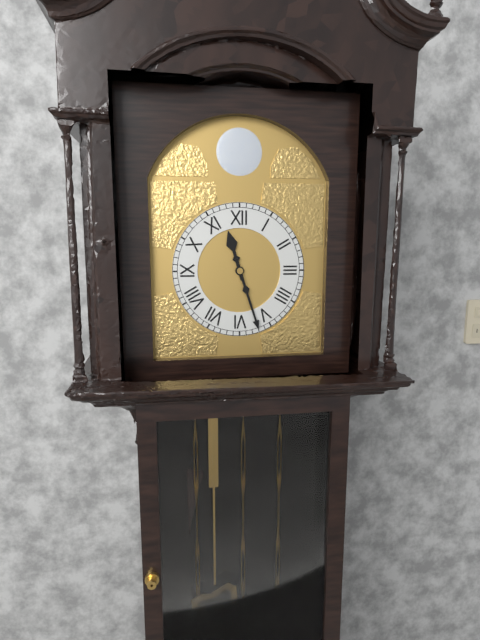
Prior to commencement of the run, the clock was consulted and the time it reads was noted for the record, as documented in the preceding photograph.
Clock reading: 11:27
